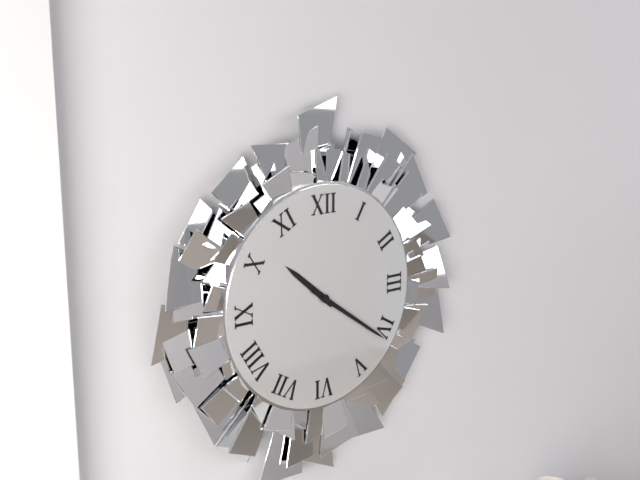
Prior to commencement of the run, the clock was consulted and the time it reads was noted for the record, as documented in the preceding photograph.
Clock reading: 10:21
